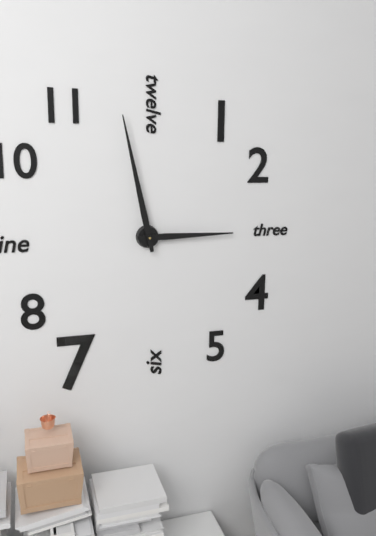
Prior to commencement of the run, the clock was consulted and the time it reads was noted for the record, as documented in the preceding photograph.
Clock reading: 2:58
